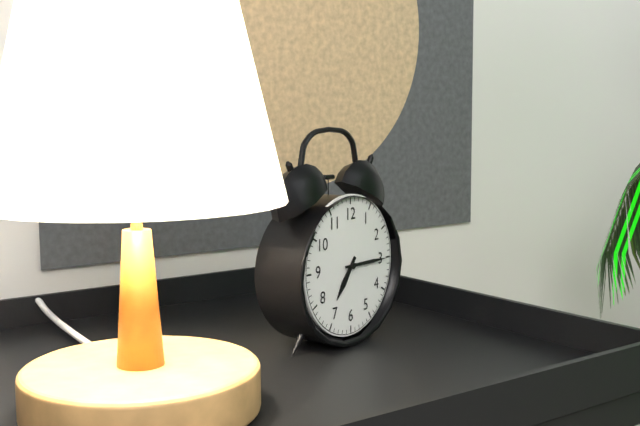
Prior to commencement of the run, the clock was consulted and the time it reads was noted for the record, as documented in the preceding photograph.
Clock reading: 7:15
